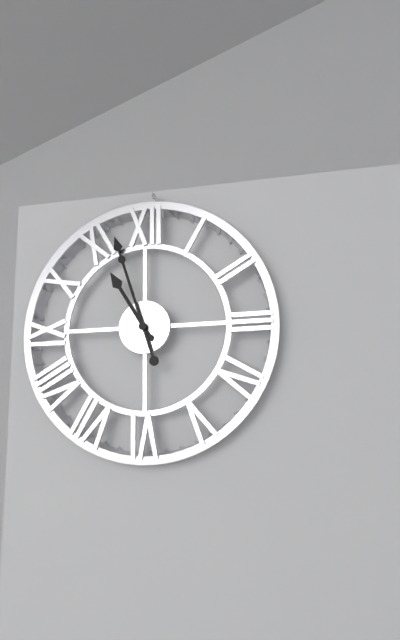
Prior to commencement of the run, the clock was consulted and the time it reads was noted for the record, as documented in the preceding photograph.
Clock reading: 10:57
